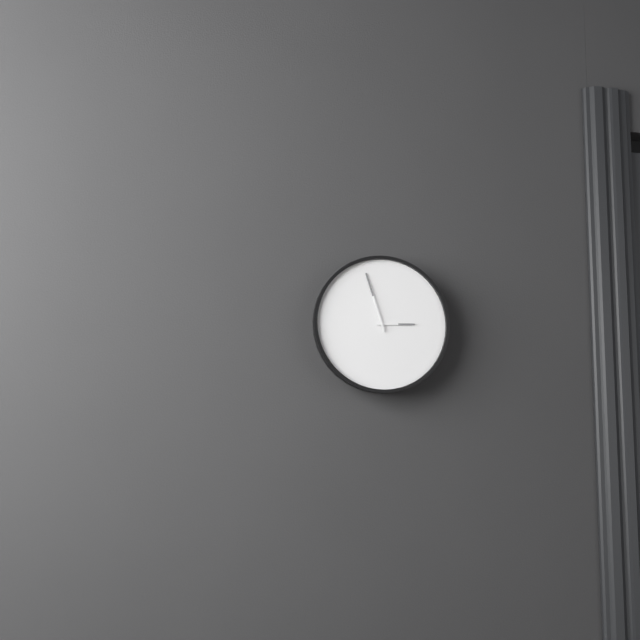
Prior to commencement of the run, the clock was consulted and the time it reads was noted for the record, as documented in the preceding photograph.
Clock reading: 2:57
